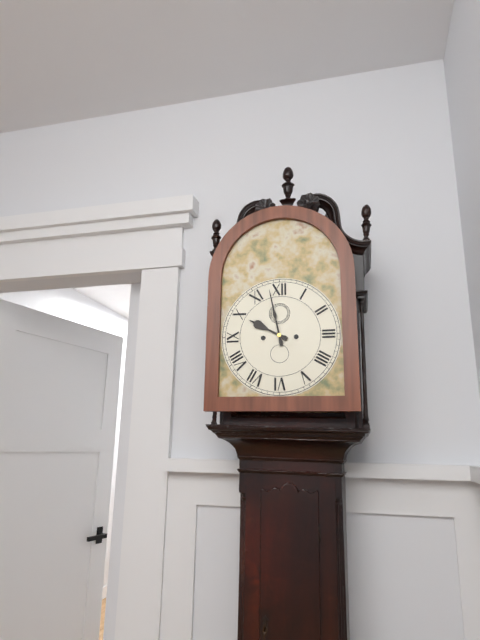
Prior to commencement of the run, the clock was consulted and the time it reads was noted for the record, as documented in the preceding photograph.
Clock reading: 9:58
